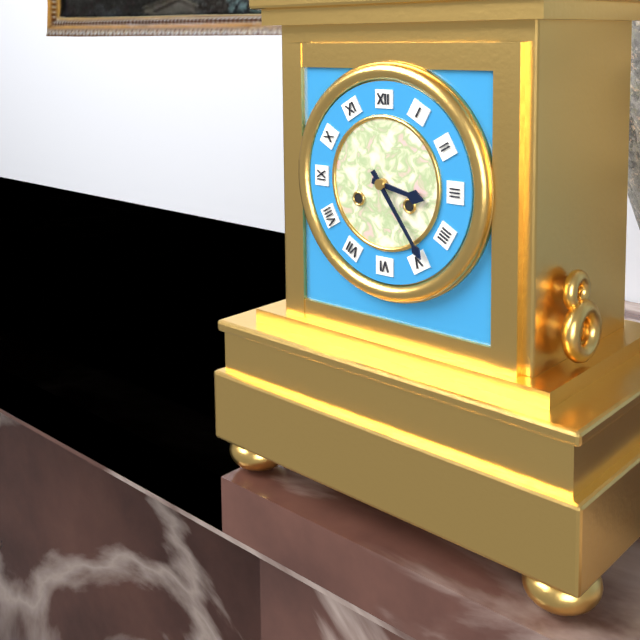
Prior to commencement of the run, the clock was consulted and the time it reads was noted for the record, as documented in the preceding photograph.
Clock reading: 3:24
